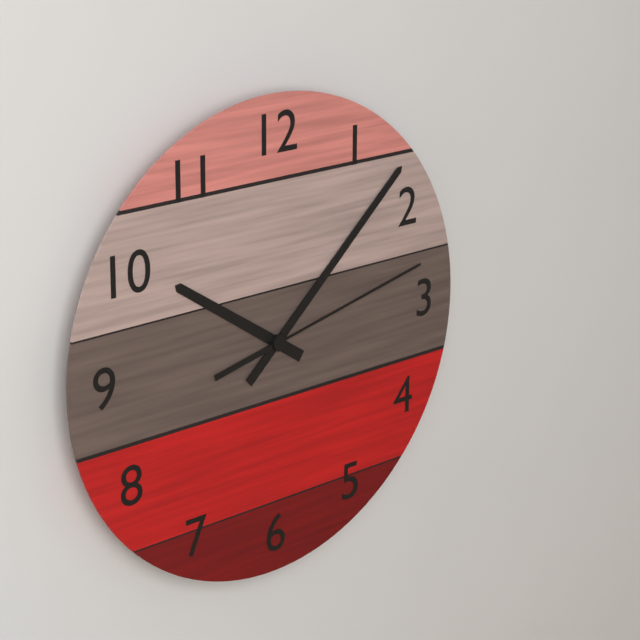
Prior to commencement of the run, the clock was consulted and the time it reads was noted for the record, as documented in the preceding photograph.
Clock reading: 10:08:13
